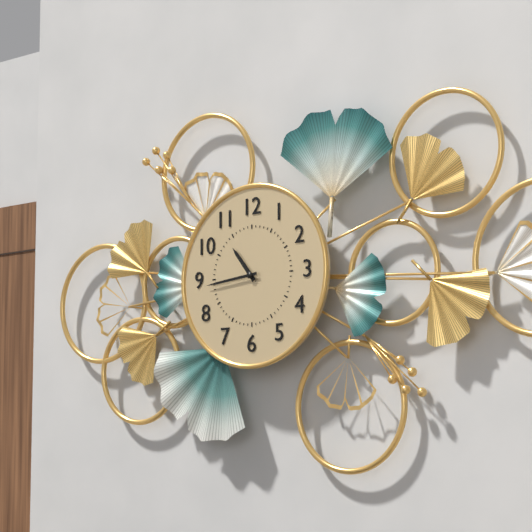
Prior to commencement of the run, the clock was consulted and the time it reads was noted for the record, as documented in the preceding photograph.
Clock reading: 10:44
